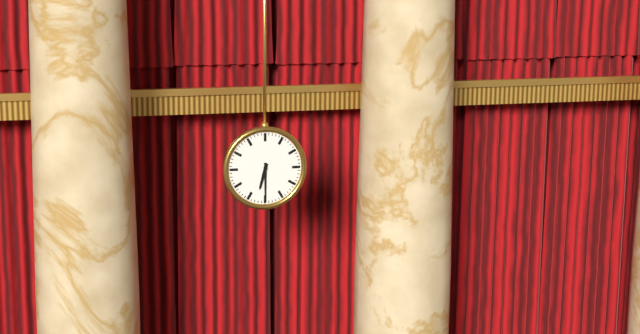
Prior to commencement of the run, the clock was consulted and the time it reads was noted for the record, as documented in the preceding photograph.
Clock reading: 6:30
